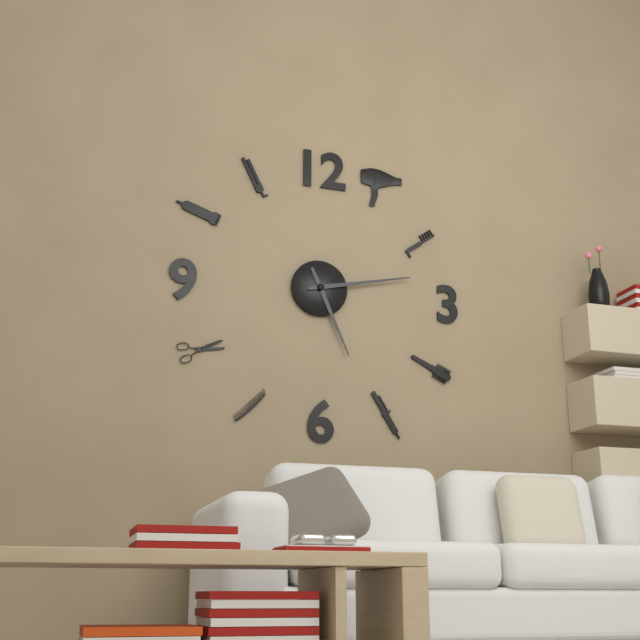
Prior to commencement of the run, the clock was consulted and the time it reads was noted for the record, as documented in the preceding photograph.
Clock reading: 5:13
